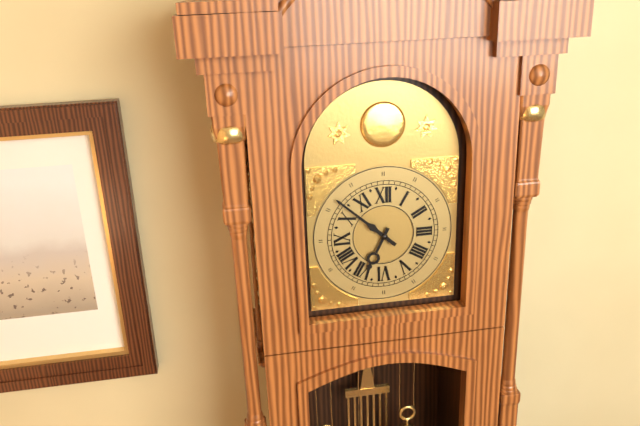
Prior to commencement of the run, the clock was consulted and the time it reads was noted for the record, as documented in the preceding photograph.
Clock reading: 6:52
